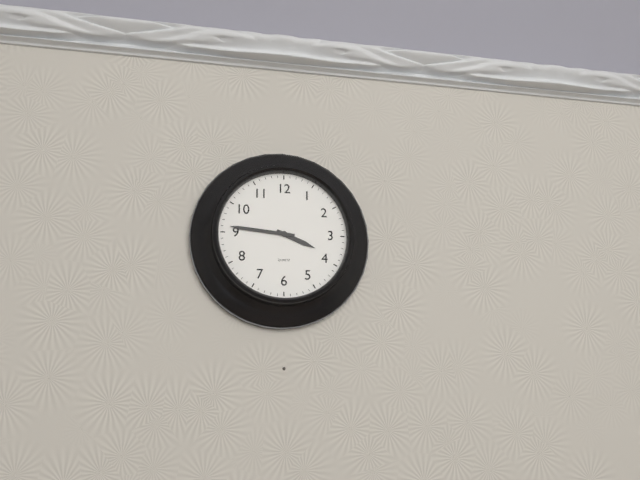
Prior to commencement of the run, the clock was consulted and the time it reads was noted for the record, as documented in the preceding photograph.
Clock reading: 3:46
